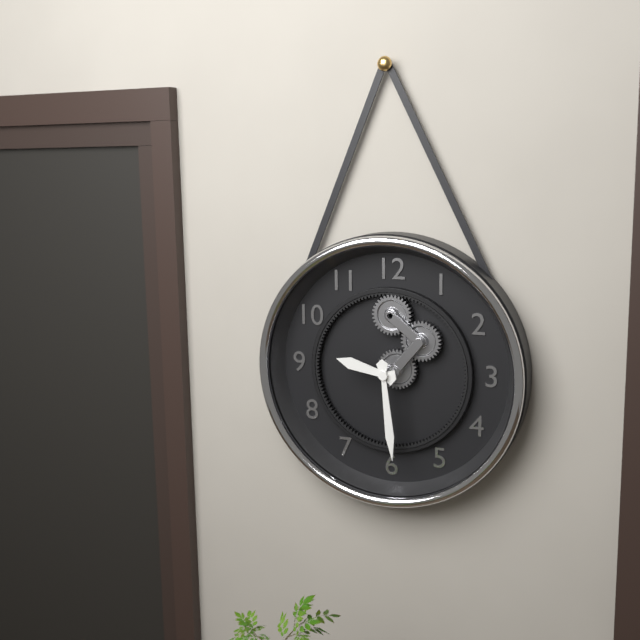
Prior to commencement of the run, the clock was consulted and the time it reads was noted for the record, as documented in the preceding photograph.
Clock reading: 9:29
